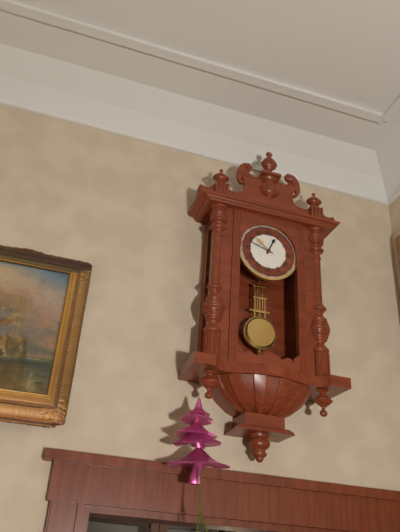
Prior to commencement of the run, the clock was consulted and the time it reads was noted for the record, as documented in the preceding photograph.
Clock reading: 12:48
